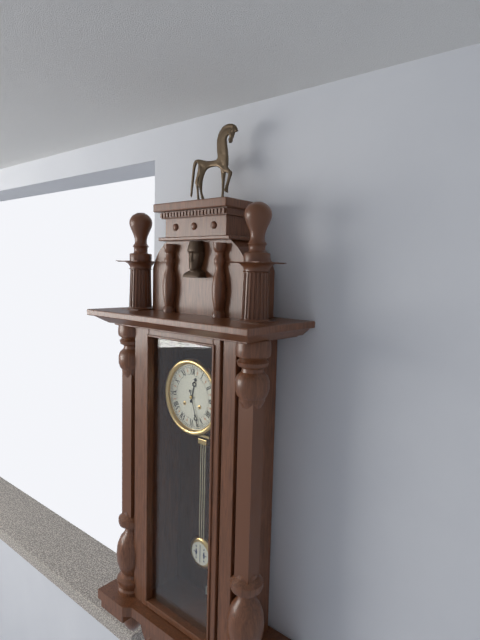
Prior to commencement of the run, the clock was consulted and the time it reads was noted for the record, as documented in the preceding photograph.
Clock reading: 12:27
